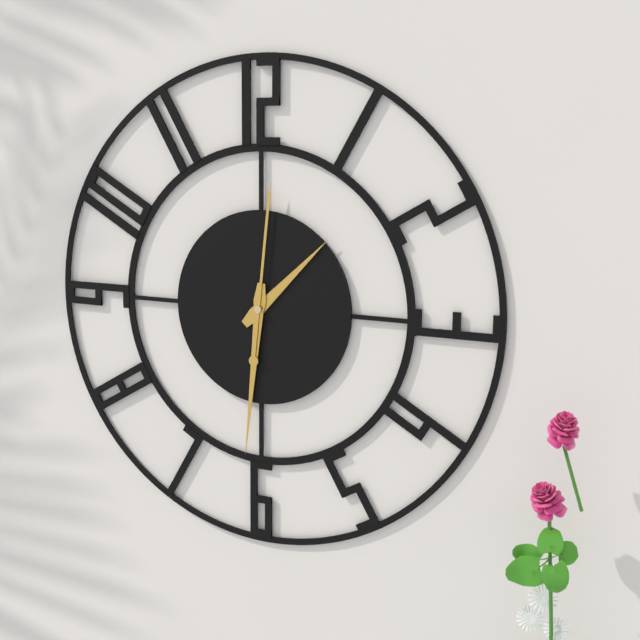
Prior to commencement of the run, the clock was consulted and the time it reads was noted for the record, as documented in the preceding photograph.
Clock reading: 1:31:01
